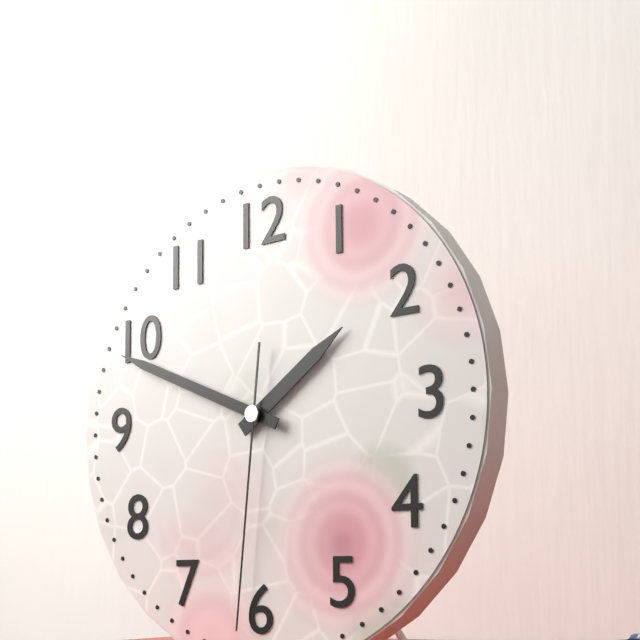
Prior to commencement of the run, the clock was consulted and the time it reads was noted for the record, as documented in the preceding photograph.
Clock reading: 1:49:31
